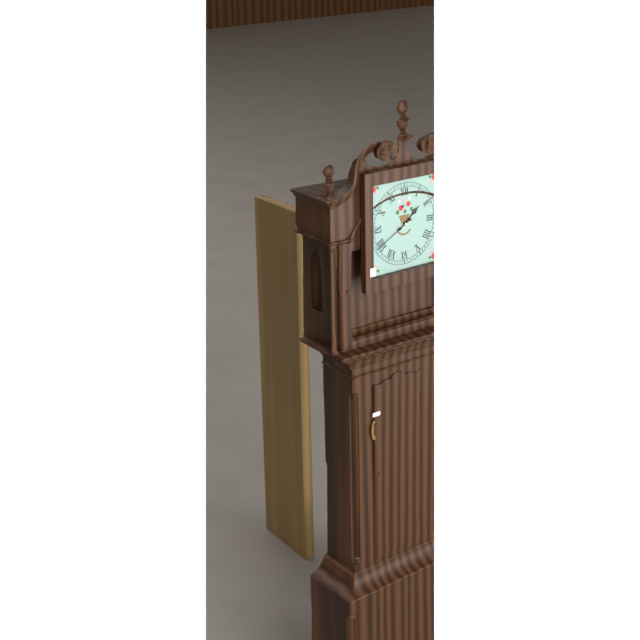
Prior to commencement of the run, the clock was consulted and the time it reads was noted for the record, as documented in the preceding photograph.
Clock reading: 1:40
